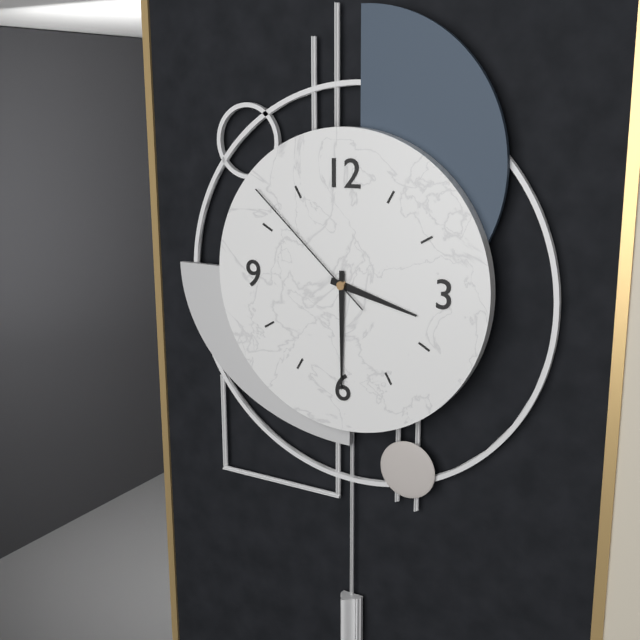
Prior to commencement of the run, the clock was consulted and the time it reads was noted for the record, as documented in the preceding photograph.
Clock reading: 3:30:52
